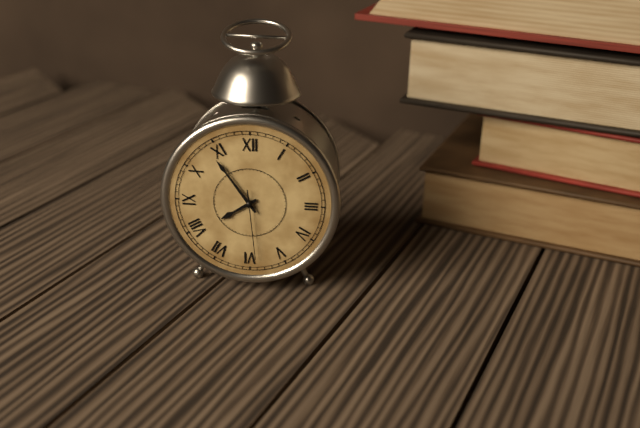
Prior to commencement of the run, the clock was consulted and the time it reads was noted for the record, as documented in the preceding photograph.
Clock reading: 7:54:29
